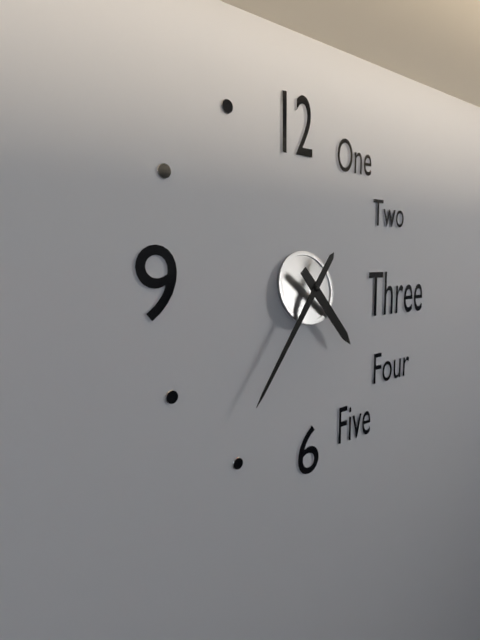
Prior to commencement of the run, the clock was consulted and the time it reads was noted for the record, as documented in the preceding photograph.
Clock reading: 4:36
